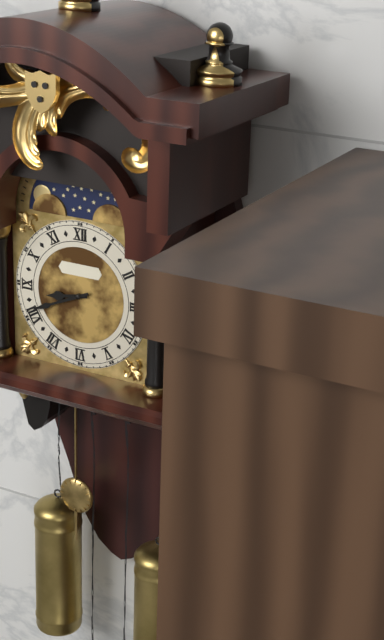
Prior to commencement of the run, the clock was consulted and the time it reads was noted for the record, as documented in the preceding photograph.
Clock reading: 8:41
